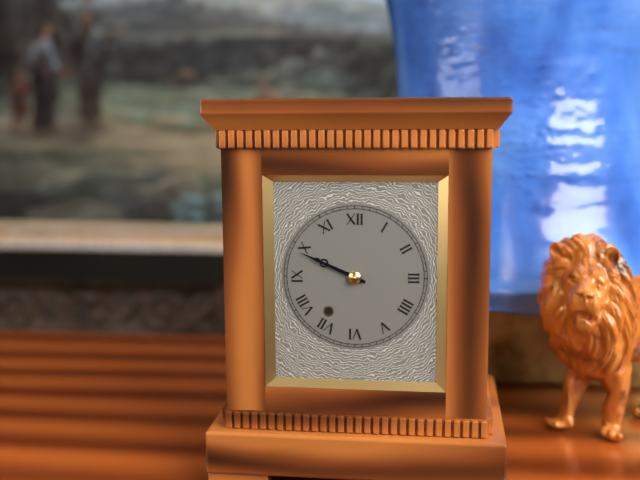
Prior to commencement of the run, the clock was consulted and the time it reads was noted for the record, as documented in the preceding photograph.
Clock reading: 9:49
